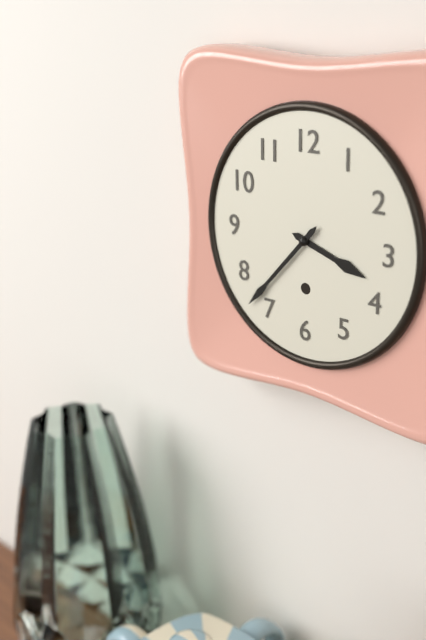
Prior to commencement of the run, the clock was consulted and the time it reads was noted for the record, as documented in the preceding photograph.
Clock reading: 3:37
